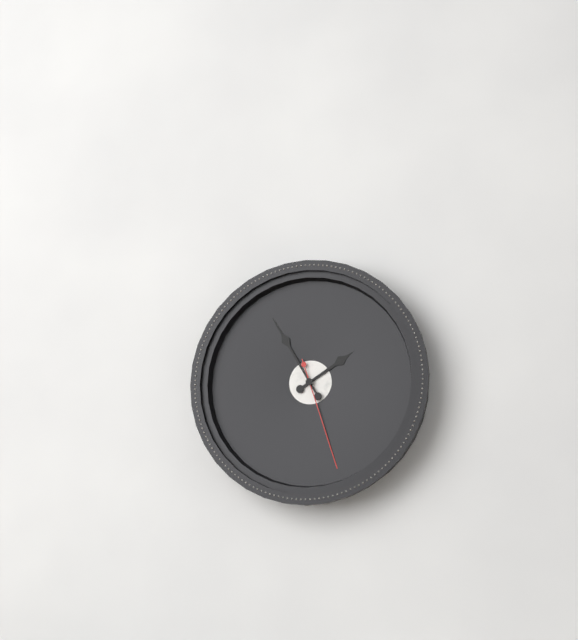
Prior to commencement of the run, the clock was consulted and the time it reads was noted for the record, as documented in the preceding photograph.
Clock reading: 1:55:27
